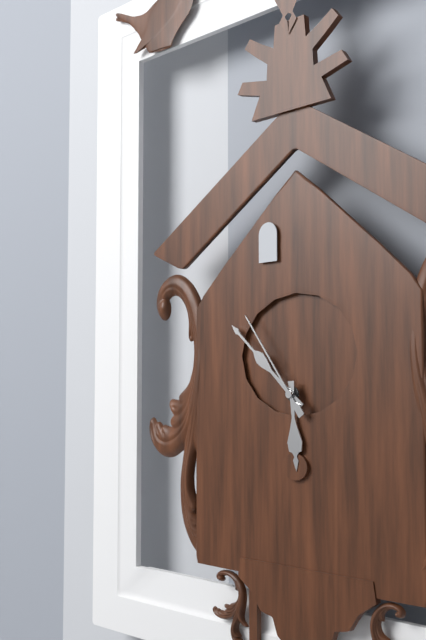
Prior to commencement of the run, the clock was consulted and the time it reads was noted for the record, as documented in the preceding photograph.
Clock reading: 5:52:54
